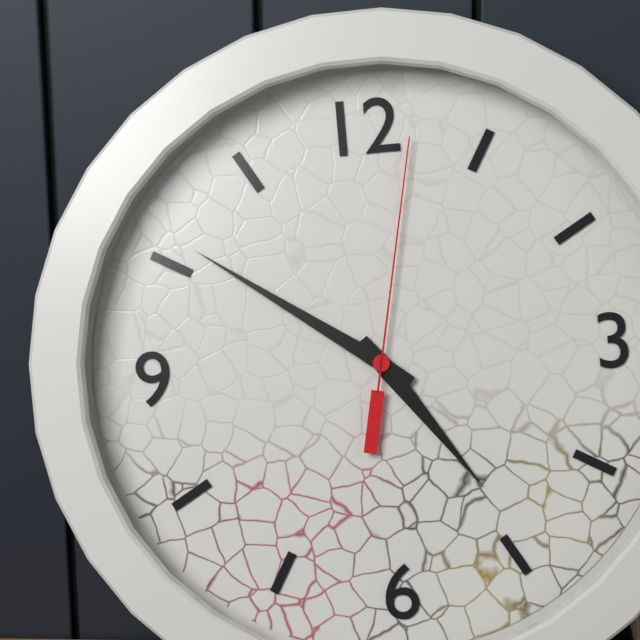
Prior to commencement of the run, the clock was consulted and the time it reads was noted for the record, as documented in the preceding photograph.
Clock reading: 4:51:02
